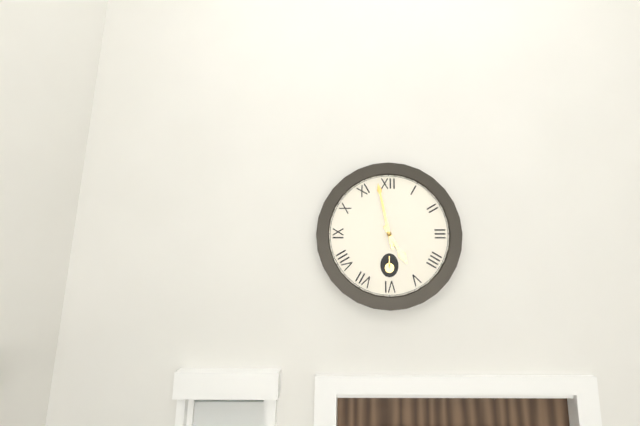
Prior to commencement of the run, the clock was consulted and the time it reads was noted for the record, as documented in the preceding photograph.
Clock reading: 4:58
